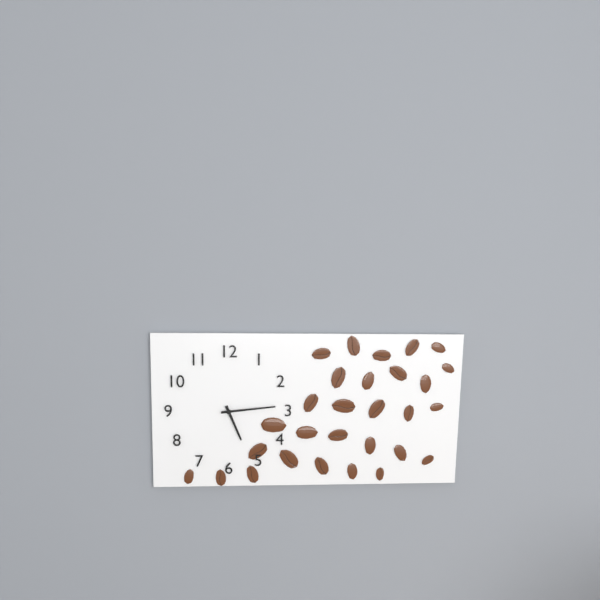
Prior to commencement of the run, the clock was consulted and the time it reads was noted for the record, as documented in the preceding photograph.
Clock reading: 5:14
